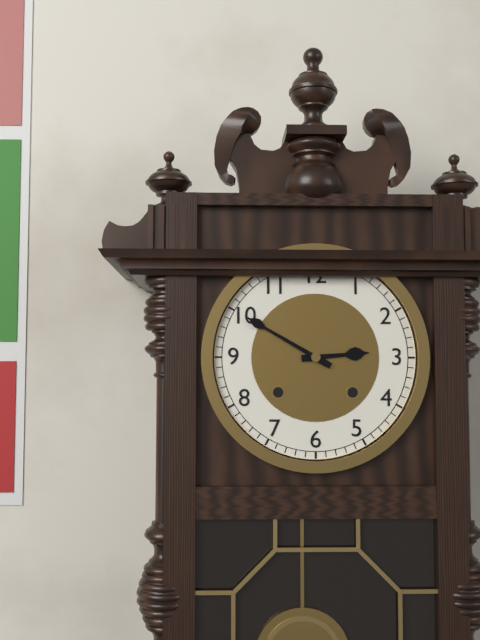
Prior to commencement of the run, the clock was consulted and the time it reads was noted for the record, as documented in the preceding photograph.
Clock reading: 2:50
